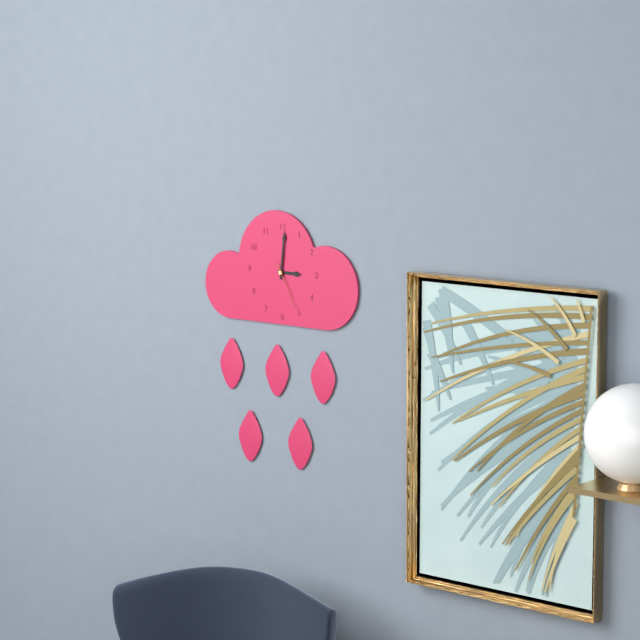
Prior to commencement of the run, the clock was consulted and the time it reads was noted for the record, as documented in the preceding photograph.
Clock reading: 3:01
